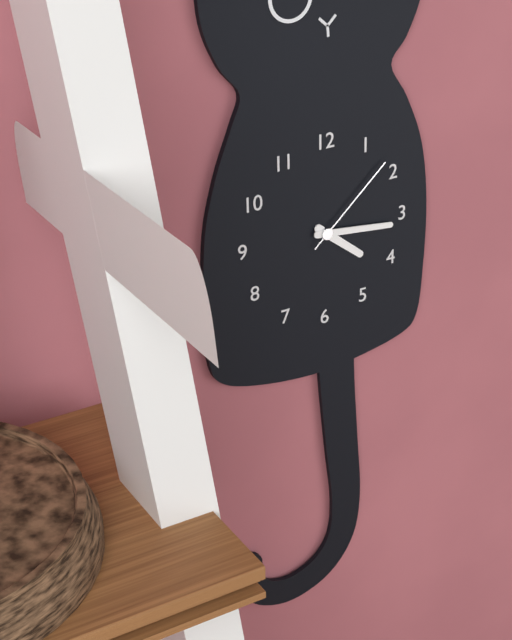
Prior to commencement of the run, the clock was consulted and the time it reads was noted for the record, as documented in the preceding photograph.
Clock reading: 4:16:08
